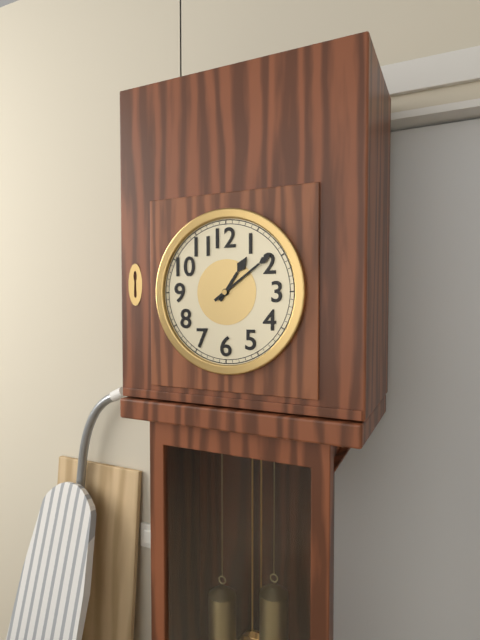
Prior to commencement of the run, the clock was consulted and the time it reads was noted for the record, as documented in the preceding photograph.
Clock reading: 1:09
